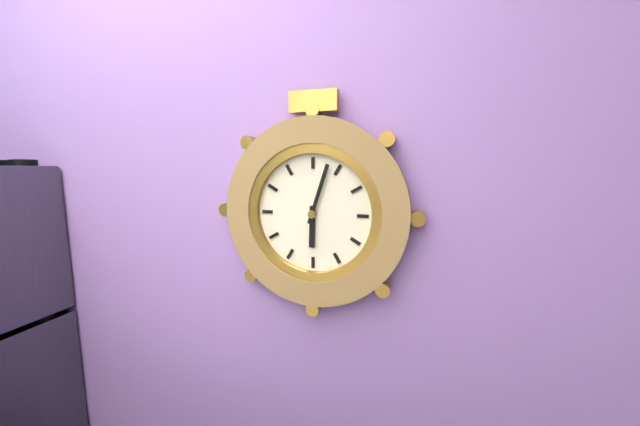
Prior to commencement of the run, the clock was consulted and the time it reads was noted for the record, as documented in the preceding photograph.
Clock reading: 6:03
